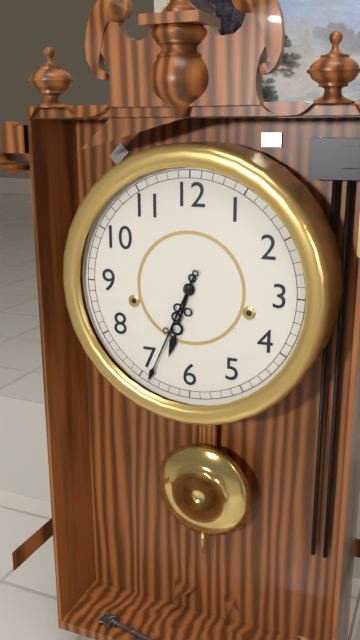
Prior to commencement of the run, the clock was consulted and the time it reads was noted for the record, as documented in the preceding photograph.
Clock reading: 6:34
